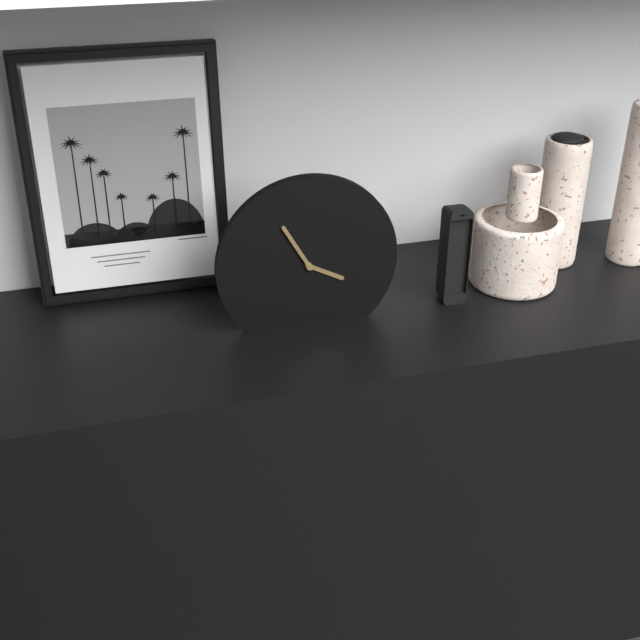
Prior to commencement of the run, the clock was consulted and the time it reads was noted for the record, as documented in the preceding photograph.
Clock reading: 3:55
